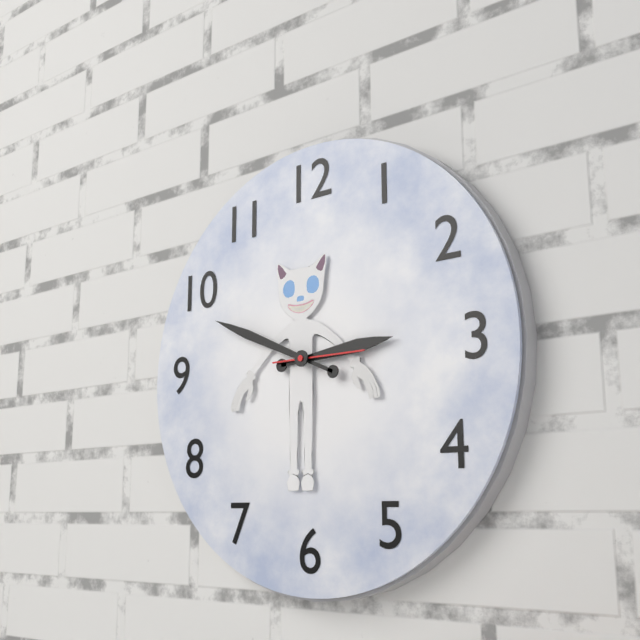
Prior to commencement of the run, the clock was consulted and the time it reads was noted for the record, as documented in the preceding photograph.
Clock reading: 2:49:15
